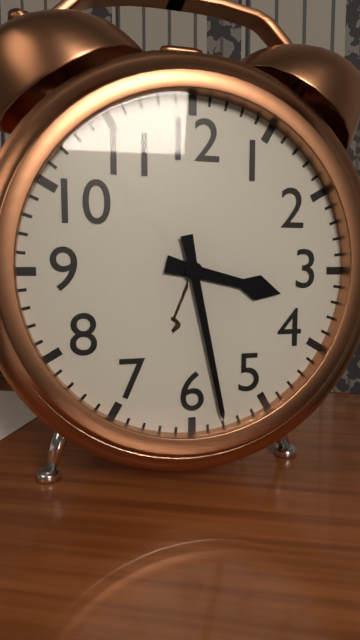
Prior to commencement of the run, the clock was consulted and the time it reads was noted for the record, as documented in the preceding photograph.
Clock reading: 3:28
